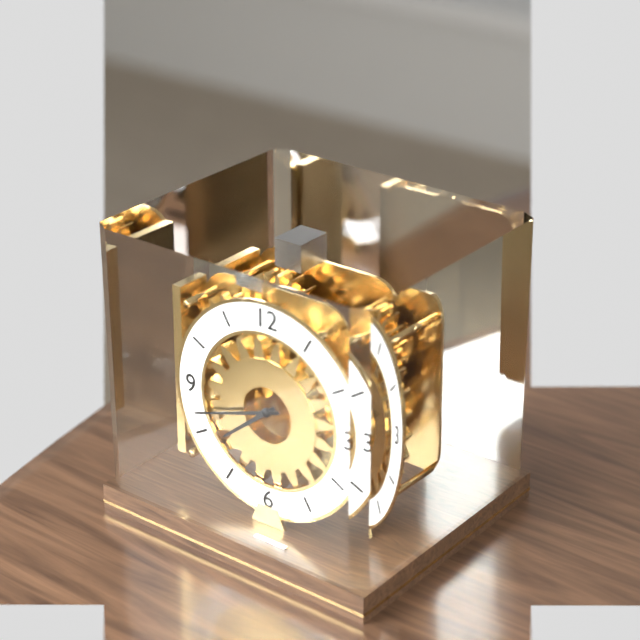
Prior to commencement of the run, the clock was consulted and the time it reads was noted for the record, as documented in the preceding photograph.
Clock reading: 7:42
